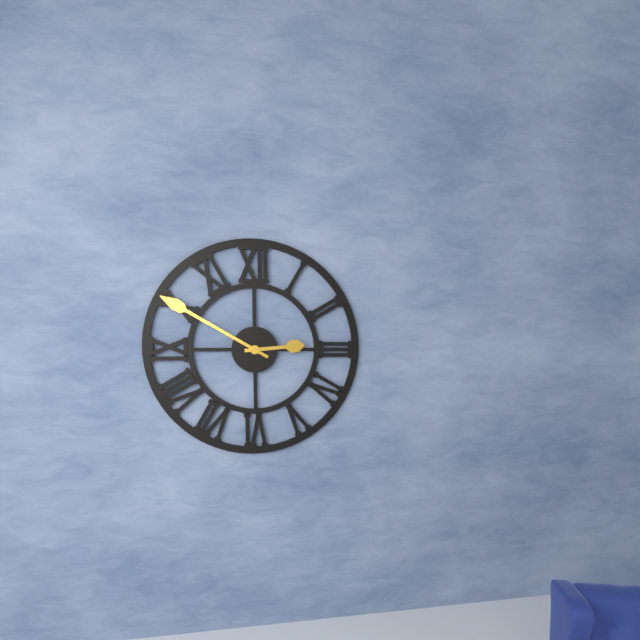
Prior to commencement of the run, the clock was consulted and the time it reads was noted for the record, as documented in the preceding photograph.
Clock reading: 2:50
